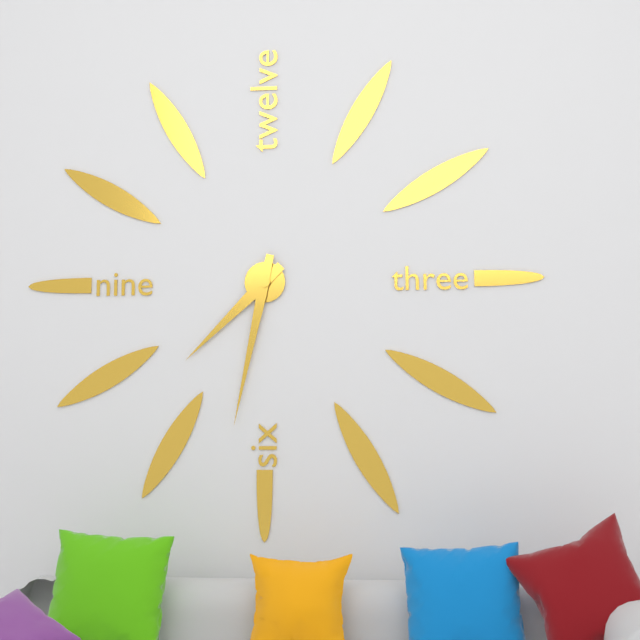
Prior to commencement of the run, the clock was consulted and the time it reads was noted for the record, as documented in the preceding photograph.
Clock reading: 7:32
